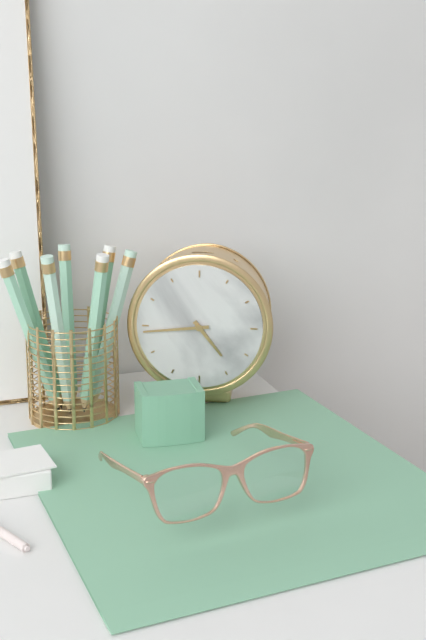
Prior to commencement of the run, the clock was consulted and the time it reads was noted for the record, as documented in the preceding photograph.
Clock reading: 4:44
